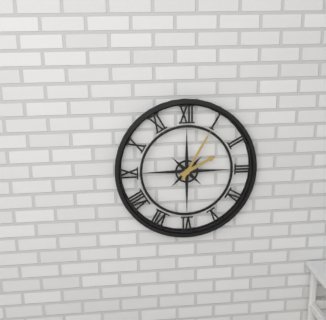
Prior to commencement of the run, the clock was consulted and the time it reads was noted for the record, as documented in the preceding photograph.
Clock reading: 2:05
